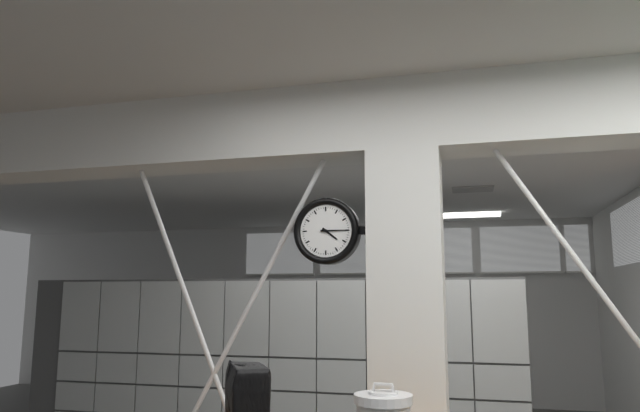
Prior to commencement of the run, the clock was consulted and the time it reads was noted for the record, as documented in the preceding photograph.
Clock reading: 4:15
